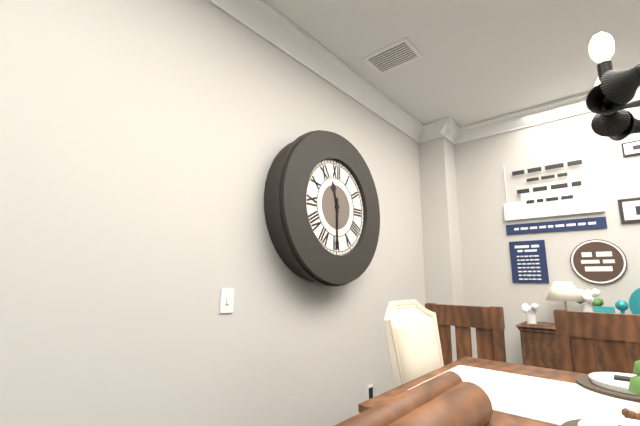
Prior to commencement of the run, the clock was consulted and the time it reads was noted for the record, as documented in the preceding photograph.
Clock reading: 11:30
